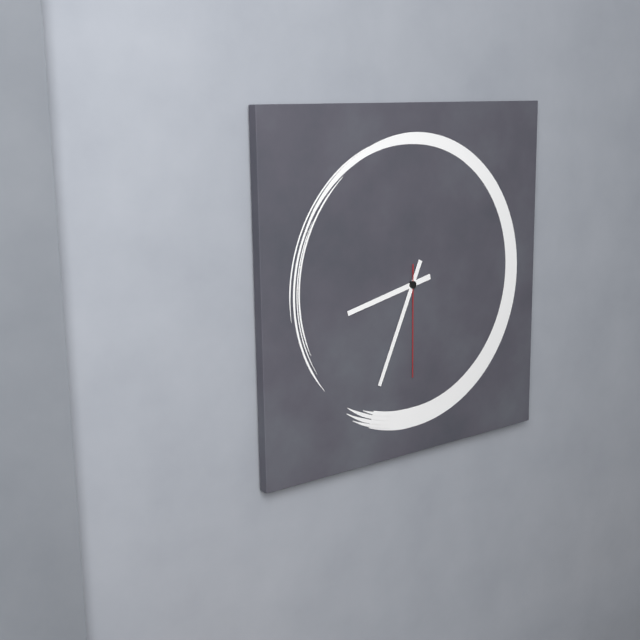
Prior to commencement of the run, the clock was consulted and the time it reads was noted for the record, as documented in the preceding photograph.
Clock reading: 8:34:30
